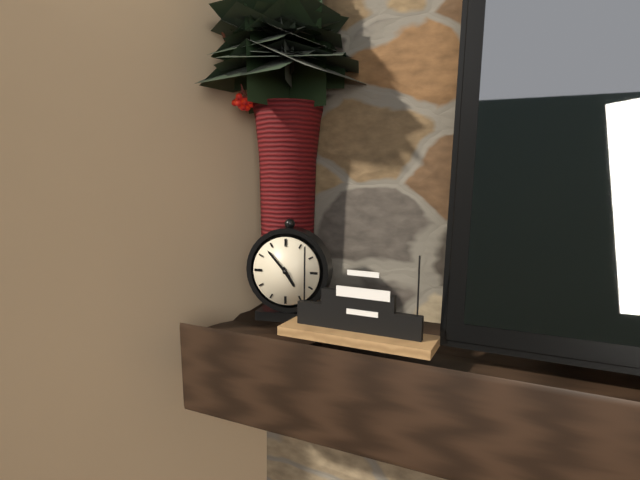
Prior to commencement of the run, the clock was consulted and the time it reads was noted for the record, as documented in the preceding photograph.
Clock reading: 4:53
